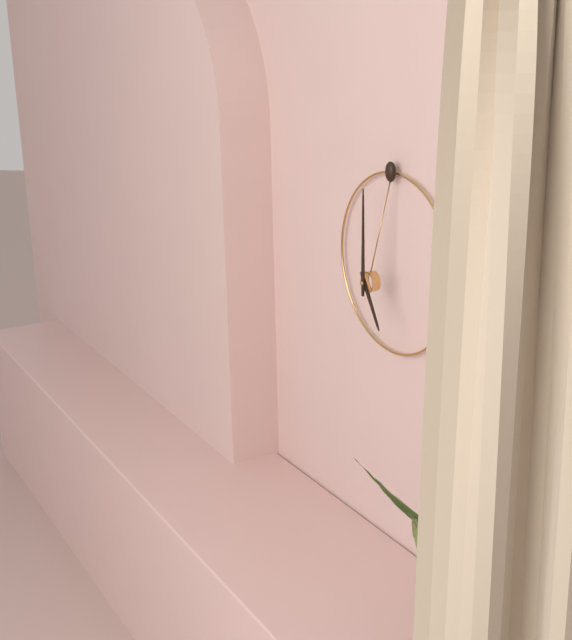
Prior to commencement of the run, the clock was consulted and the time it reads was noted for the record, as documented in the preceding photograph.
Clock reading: 5:00
